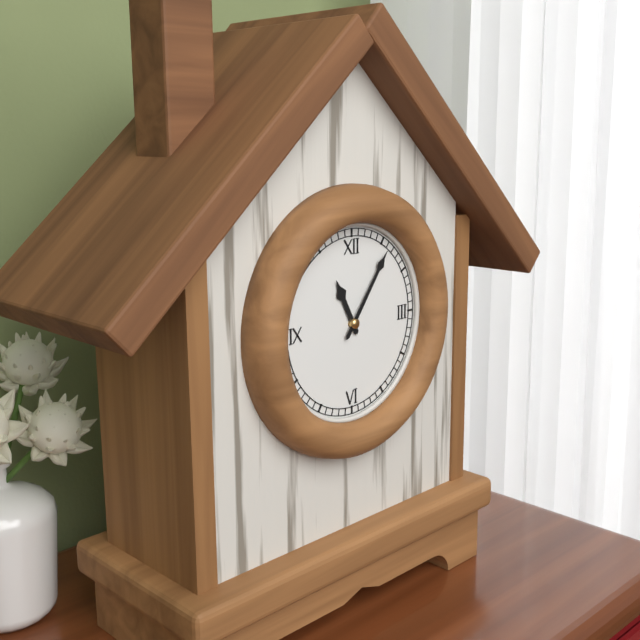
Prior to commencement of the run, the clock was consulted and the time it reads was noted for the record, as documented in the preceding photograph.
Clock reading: 11:06
